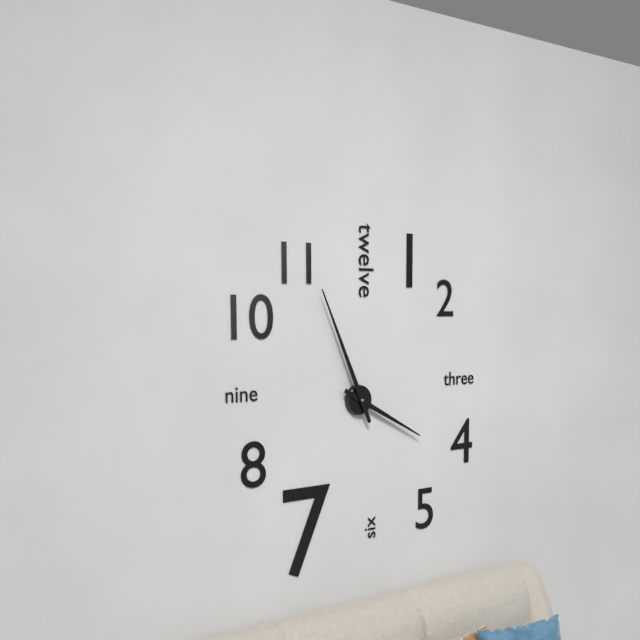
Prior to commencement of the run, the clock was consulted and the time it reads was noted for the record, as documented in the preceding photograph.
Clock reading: 3:56
